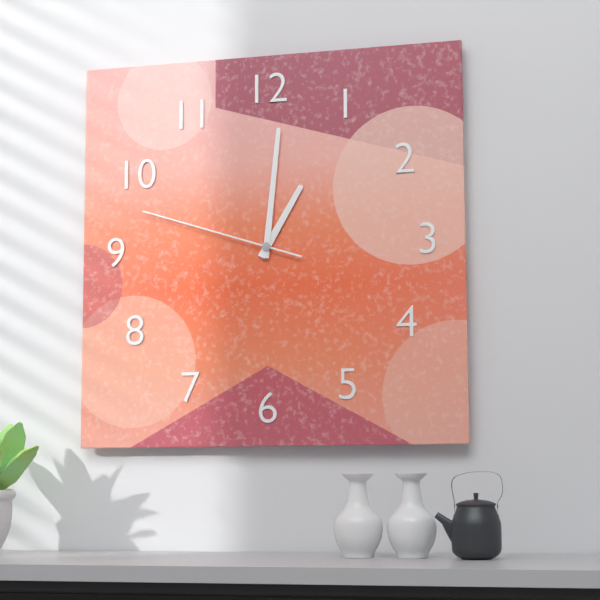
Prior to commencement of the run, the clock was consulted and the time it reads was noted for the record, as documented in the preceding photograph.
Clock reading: 1:01:48
